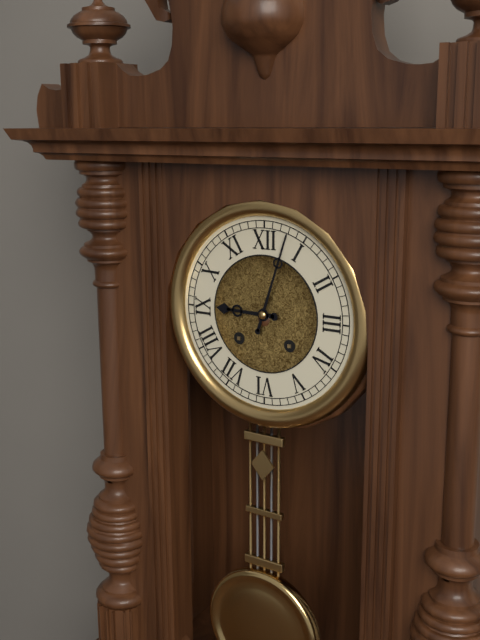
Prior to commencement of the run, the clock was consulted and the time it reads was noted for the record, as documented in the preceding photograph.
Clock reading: 9:03
